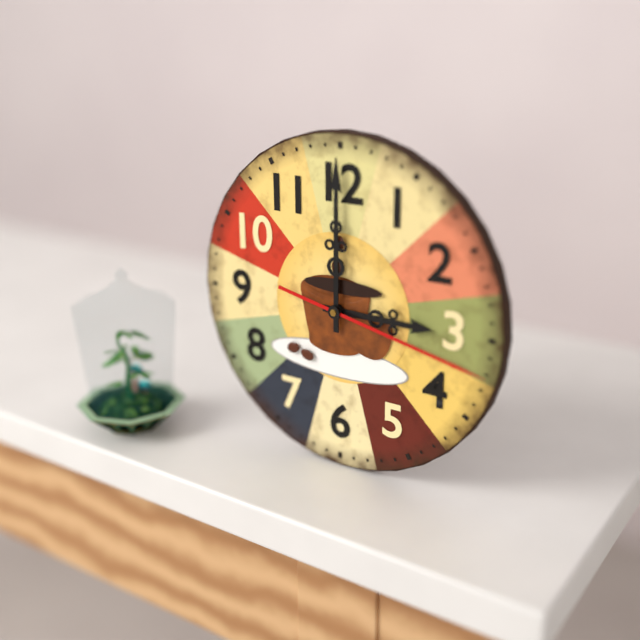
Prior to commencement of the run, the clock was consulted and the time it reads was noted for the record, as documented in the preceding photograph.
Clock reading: 3:00:17
